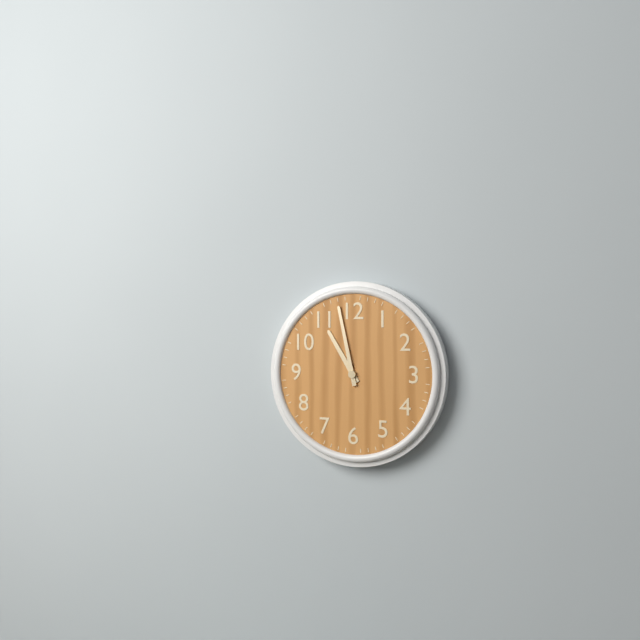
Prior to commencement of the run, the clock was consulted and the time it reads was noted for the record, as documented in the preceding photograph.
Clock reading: 10:58
